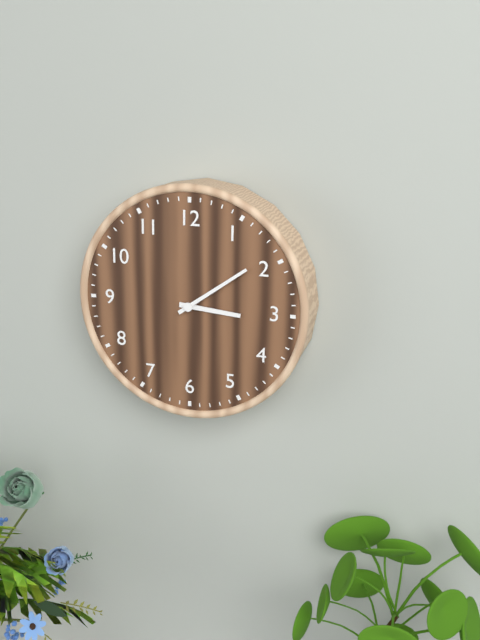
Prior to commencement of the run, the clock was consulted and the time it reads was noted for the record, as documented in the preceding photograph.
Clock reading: 3:09
